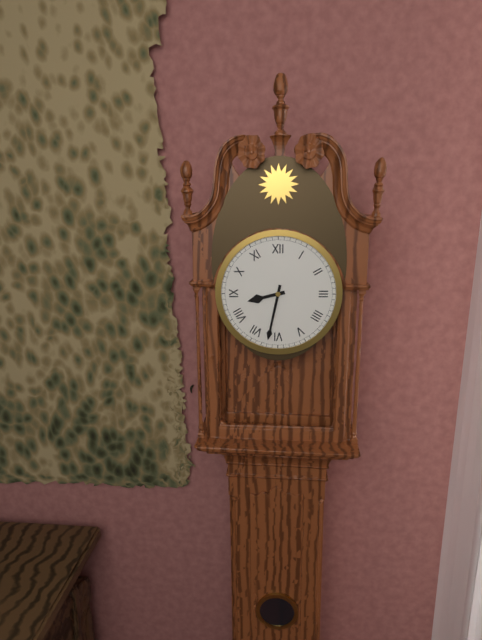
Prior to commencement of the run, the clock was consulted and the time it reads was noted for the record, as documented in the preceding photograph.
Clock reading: 8:32
